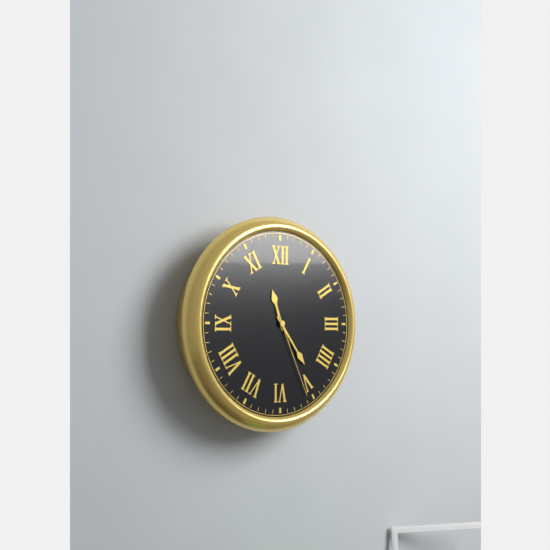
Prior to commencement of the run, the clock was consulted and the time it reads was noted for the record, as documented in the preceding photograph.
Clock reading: 11:24:26
